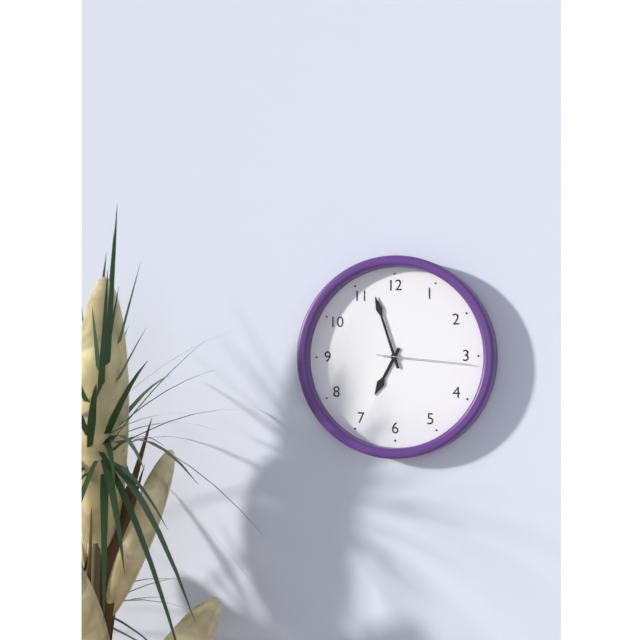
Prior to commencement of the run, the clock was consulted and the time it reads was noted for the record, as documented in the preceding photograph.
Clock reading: 6:57:16
